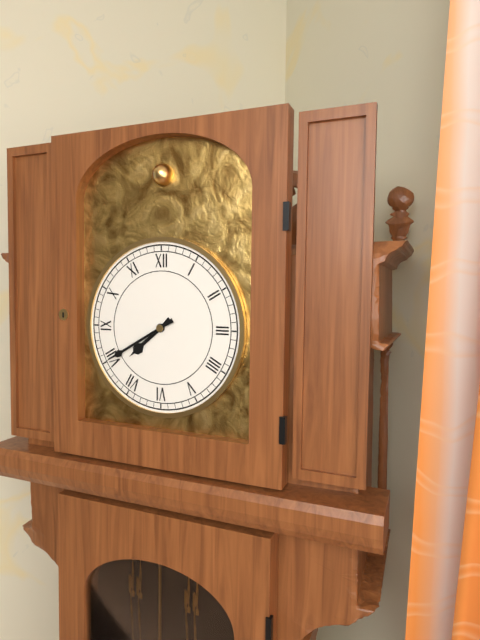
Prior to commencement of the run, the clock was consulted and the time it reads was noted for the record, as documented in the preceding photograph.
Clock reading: 7:40
